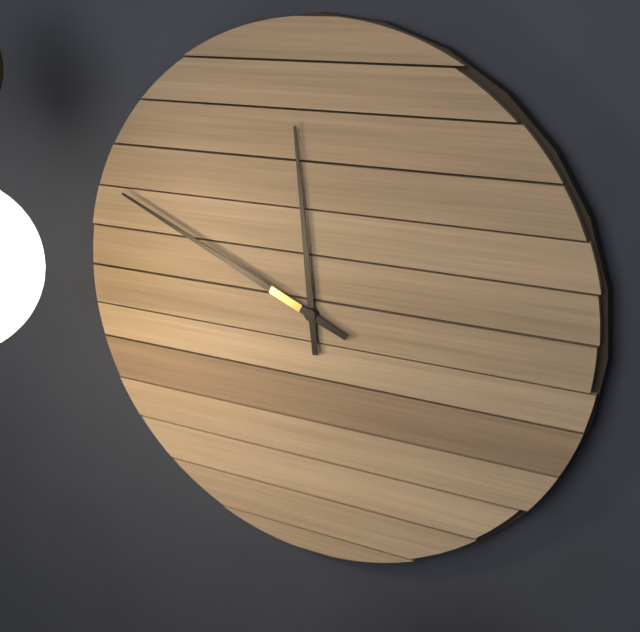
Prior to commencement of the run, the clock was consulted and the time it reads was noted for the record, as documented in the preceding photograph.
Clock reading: 11:49
